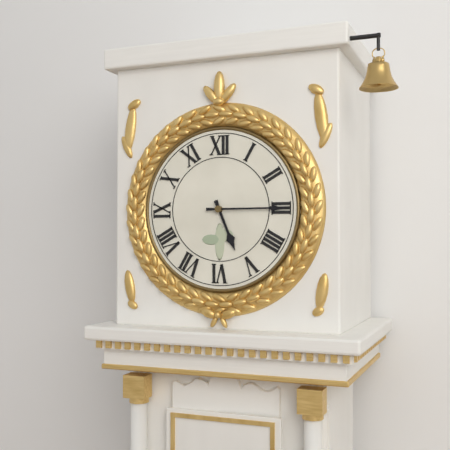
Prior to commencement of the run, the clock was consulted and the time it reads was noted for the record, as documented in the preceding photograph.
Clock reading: 5:15
